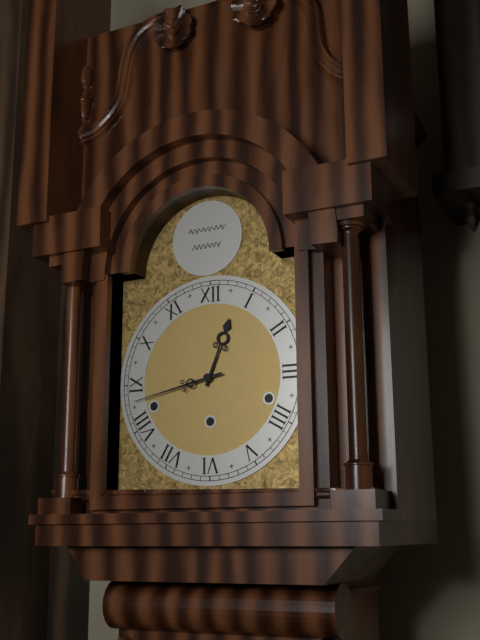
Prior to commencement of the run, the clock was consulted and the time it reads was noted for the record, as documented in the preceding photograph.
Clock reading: 12:43
